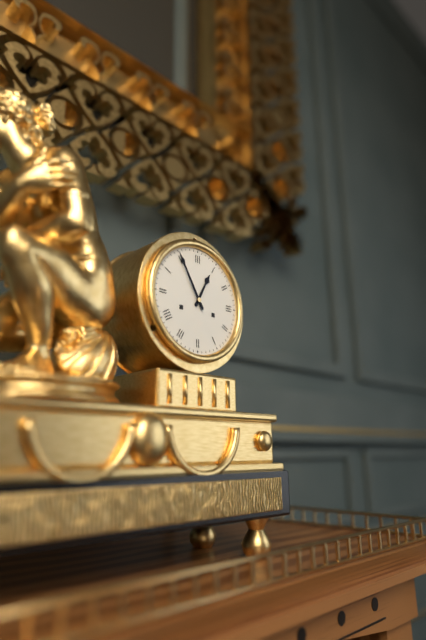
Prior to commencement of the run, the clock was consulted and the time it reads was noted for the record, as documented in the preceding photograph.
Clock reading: 12:55
